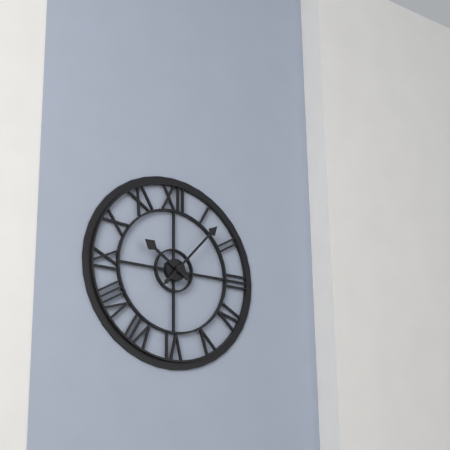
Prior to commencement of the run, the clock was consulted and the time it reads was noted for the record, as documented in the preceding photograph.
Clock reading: 10:07
